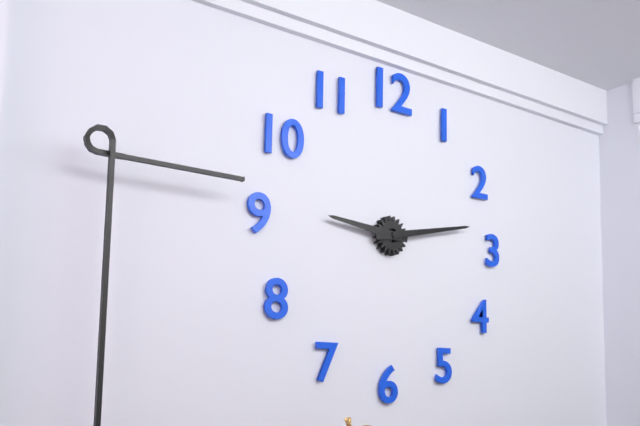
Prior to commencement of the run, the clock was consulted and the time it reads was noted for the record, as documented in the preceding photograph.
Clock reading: 9:13
